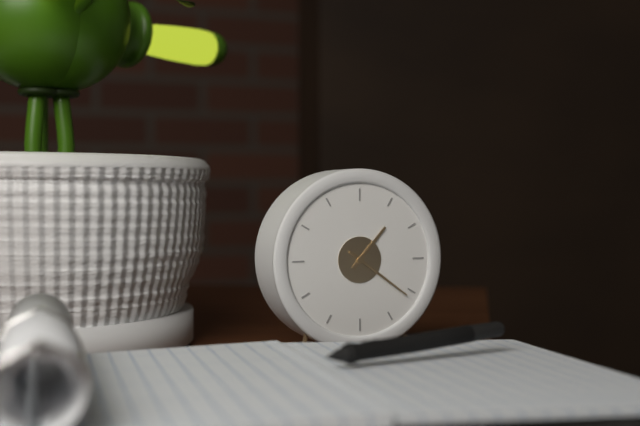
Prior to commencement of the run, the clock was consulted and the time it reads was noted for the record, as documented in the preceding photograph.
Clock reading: 1:21
